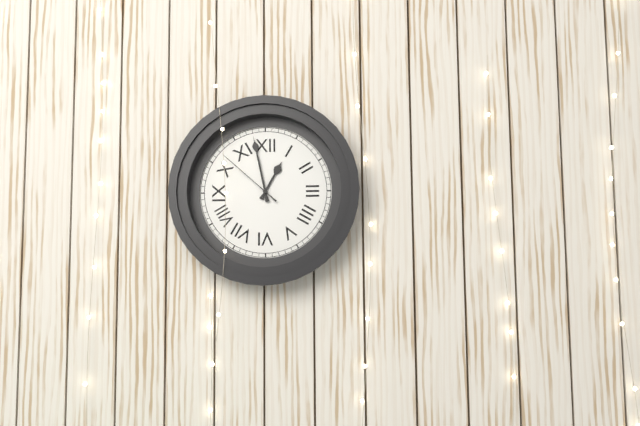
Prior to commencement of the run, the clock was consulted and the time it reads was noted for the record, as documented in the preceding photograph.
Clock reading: 12:58:52
